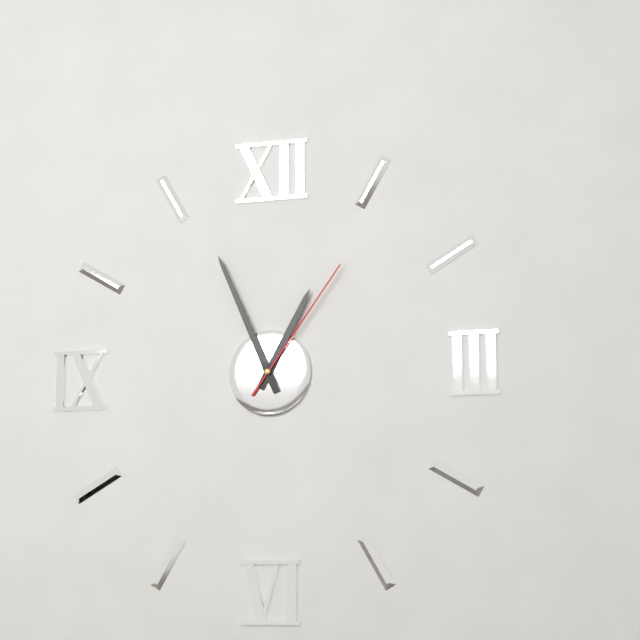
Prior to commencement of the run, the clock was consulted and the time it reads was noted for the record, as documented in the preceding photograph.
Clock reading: 12:56:06
